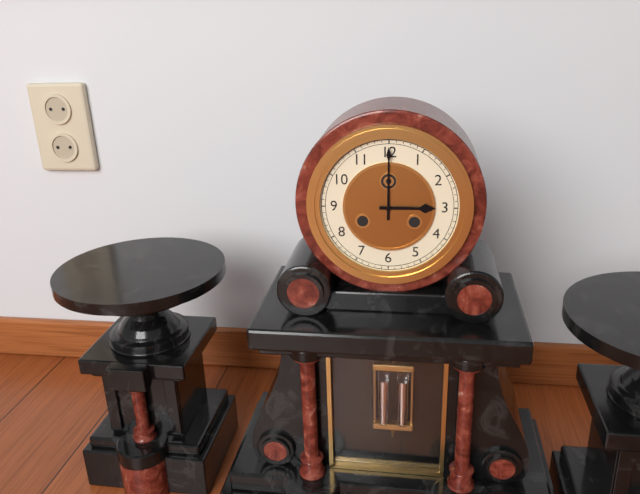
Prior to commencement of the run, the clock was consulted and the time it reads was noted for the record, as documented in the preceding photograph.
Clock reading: 3:00
